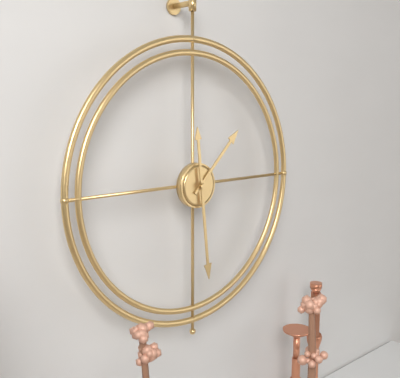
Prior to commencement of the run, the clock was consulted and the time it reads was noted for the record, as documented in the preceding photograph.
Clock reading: 1:29
